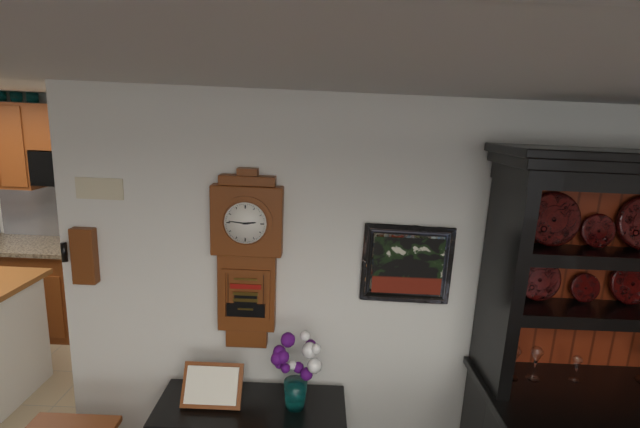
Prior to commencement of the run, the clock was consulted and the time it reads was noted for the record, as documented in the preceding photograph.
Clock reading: 2:46
